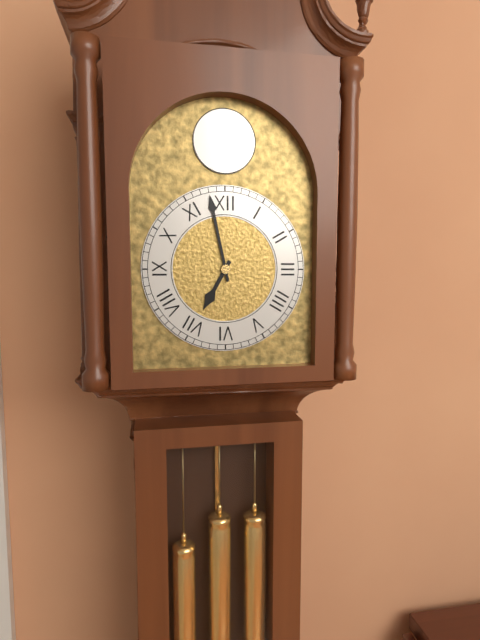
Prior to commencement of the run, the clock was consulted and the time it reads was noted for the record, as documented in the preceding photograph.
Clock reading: 6:58
